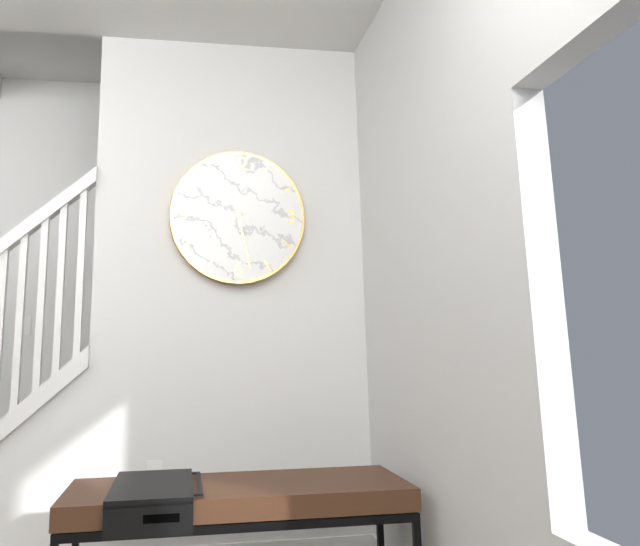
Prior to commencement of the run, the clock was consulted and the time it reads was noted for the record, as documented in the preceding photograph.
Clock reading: 11:28
